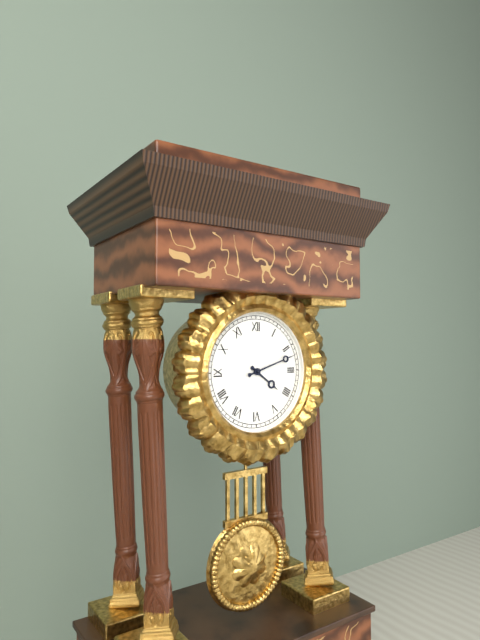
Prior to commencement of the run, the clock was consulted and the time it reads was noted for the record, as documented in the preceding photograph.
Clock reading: 4:12
